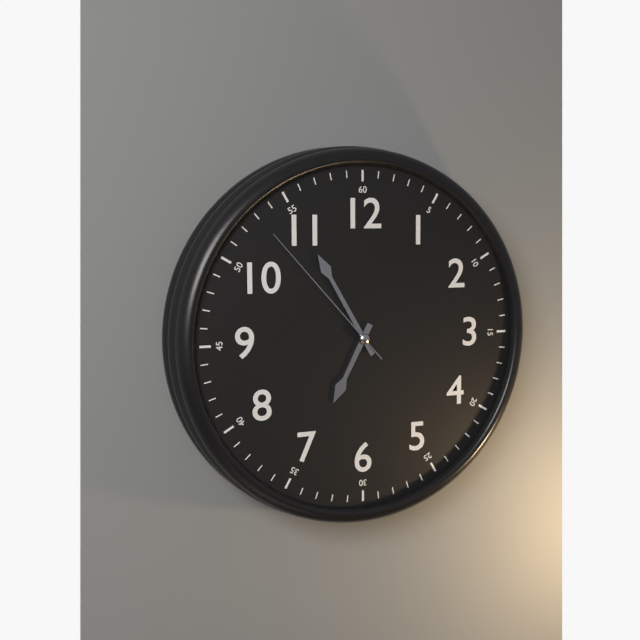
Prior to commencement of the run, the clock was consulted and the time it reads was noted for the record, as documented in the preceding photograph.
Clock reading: 6:55:53
